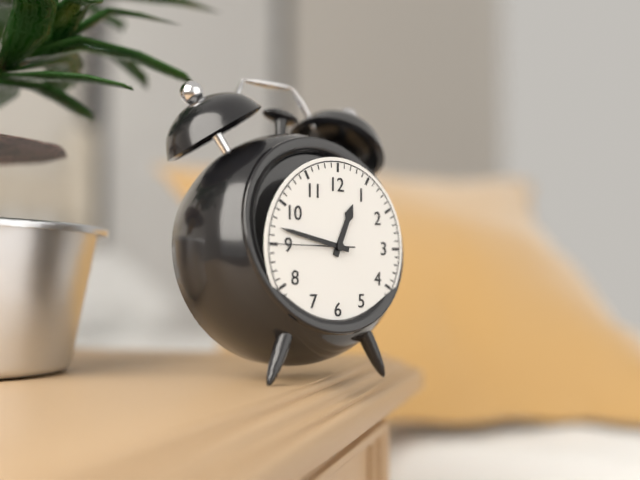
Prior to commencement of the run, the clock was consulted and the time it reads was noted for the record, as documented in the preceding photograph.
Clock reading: 12:47:45
